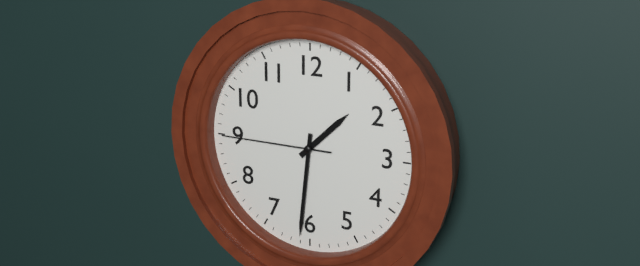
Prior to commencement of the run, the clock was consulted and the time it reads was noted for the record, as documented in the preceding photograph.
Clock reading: 1:31:45
